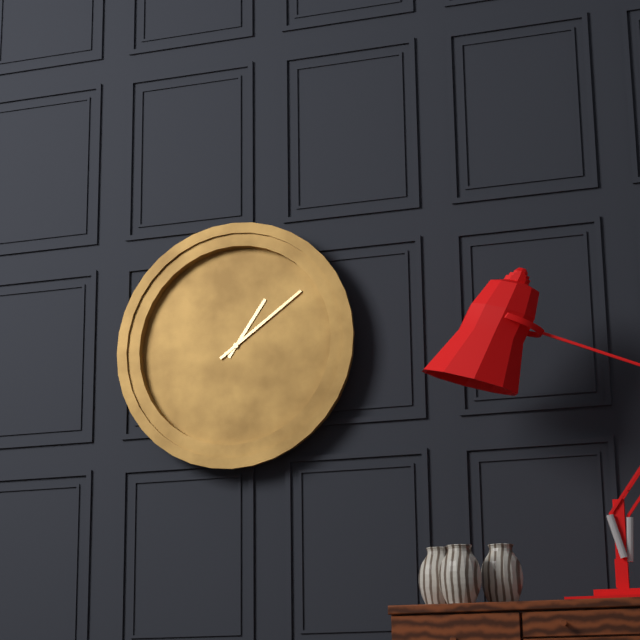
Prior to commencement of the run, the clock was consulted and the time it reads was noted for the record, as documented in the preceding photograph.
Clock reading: 1:09
